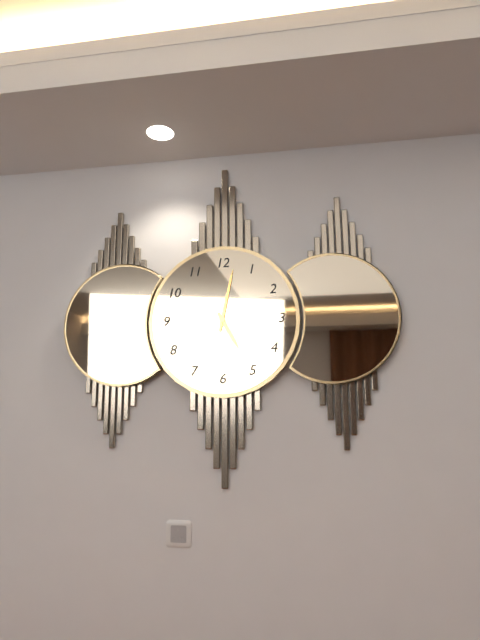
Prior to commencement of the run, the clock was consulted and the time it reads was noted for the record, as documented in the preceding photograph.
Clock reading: 5:02
